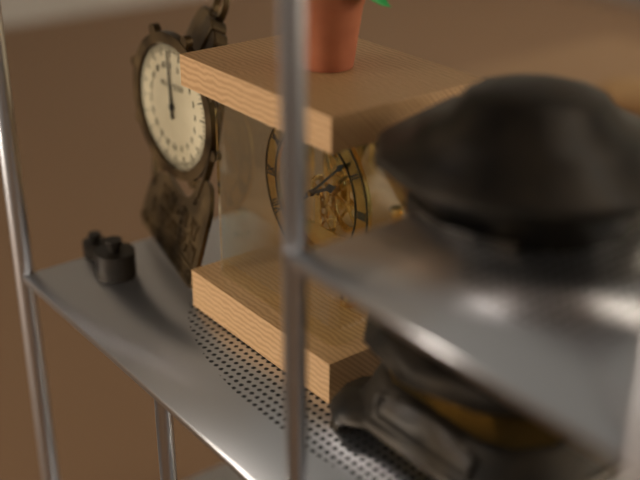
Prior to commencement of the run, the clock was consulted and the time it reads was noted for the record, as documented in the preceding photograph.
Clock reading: 2:08
